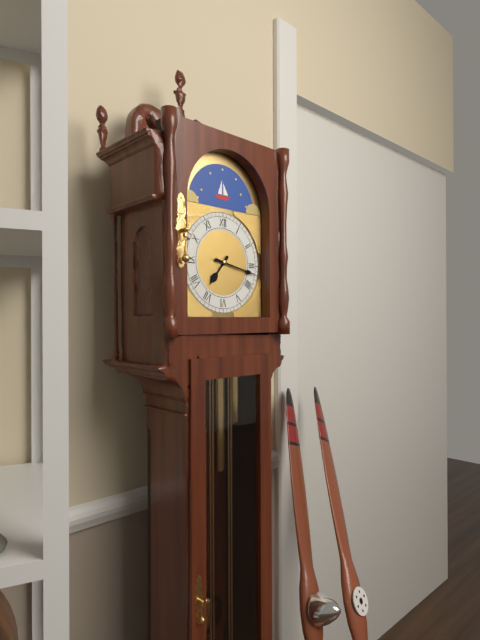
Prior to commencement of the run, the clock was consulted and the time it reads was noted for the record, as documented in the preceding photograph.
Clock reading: 7:17
